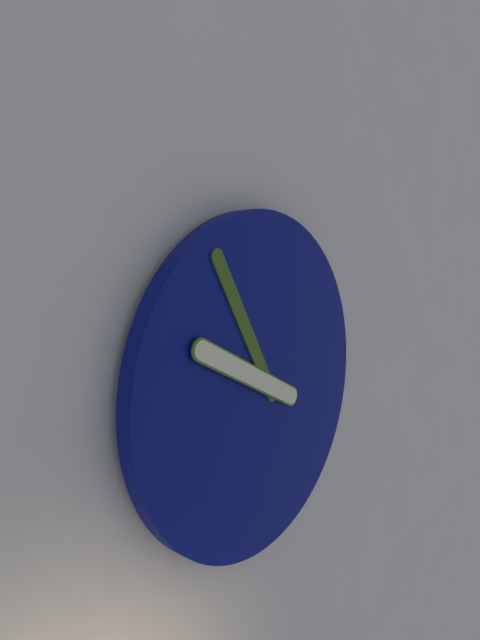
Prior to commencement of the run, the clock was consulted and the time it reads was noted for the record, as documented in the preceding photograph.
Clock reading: 9:55
